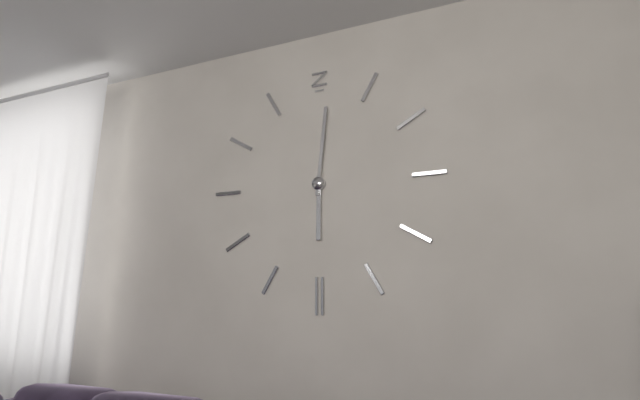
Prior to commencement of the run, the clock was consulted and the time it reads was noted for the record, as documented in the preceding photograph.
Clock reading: 6:01
